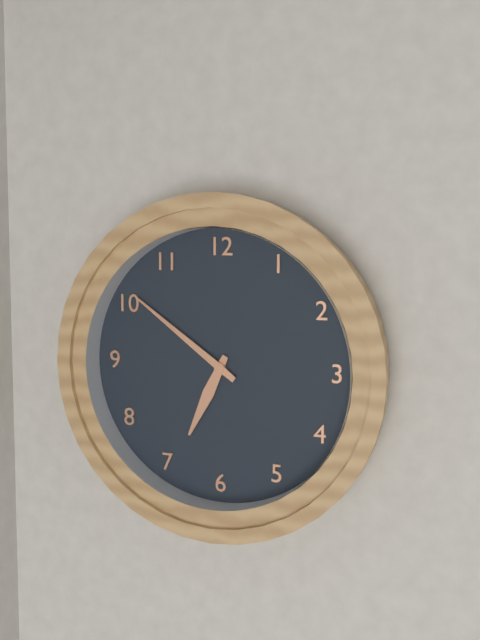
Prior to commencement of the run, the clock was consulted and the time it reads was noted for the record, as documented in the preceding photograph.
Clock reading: 6:51
